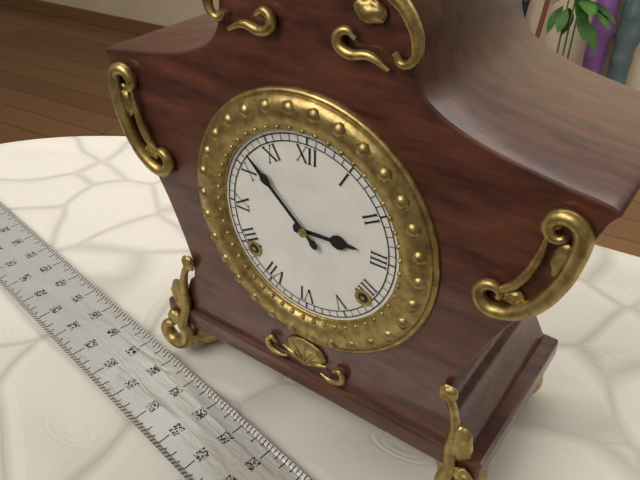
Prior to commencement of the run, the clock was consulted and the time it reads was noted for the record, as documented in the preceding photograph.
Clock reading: 2:52
